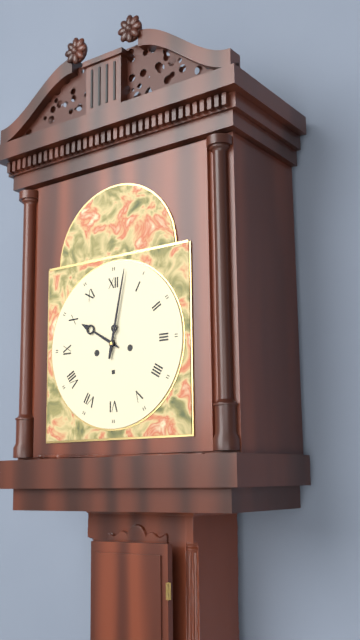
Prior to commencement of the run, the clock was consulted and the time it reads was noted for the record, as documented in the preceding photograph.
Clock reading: 10:02
